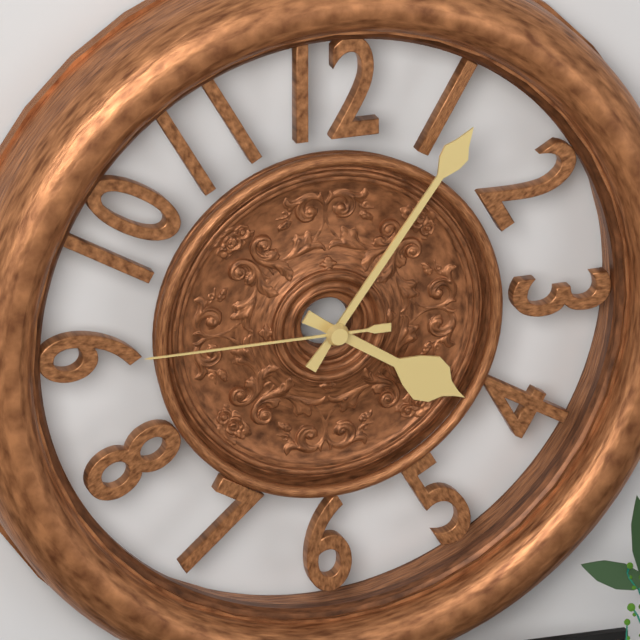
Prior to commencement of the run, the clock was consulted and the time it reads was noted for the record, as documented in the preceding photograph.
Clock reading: 4:06:45
